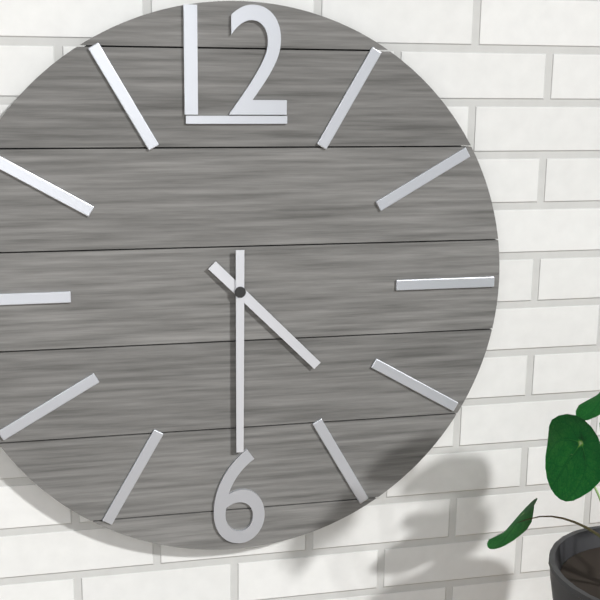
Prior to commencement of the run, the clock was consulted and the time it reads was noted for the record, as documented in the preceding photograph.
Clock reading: 4:30
